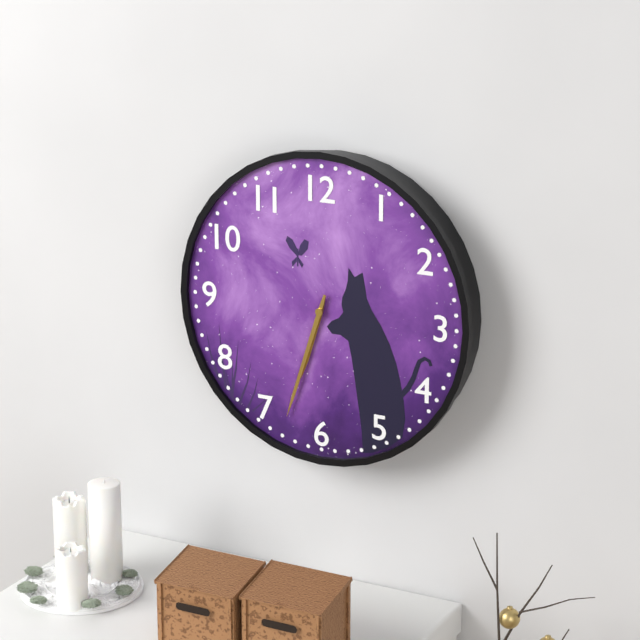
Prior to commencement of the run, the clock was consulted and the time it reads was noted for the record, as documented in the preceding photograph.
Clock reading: 6:33
